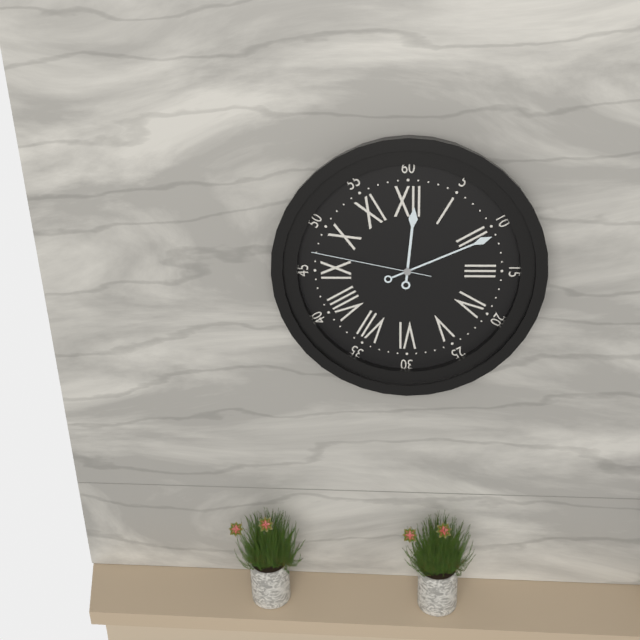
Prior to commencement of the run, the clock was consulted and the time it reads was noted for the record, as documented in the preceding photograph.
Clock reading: 12:11:47
